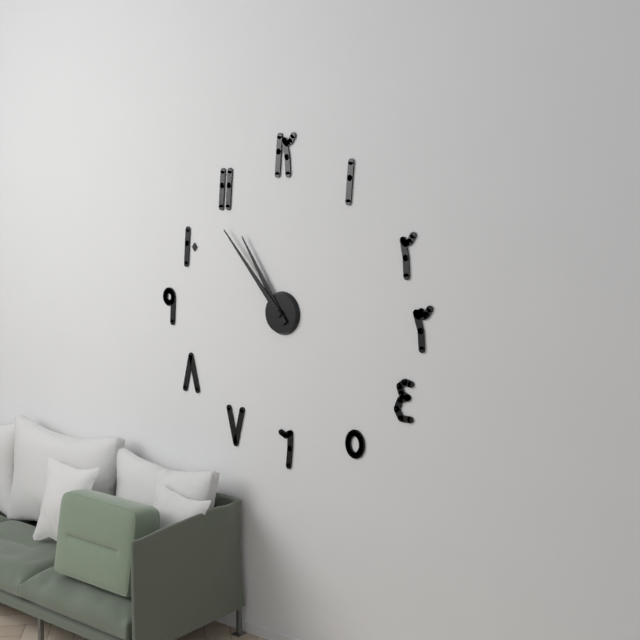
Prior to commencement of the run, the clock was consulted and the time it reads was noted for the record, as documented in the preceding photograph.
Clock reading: 10:53
